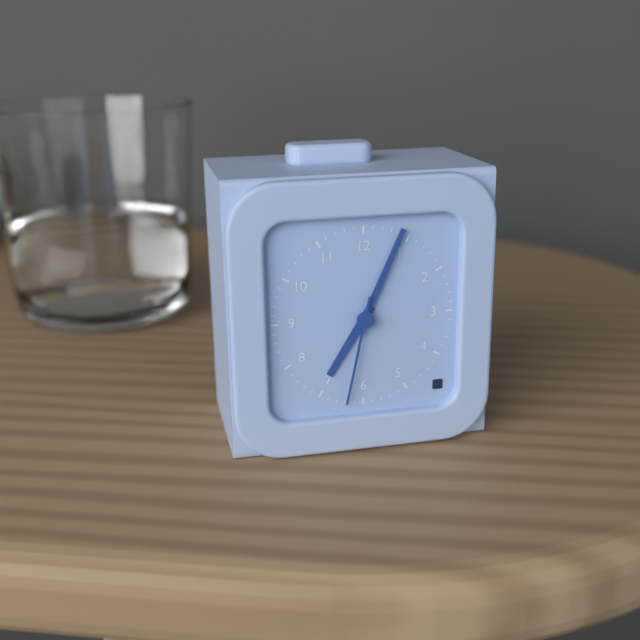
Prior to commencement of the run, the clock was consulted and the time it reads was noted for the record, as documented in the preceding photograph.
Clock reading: 7:04:32
